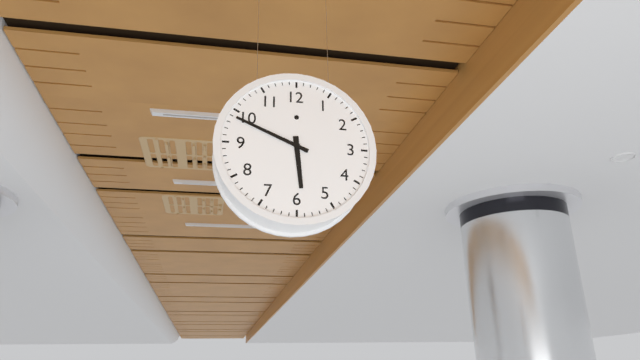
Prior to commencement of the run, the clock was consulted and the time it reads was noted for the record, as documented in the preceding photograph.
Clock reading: 5:49
